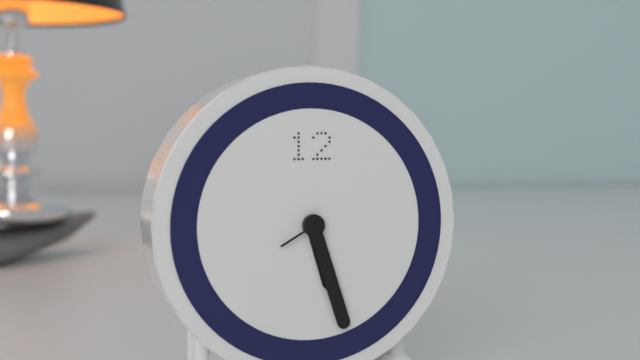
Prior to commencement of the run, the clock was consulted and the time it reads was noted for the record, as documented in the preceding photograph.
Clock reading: 5:27
